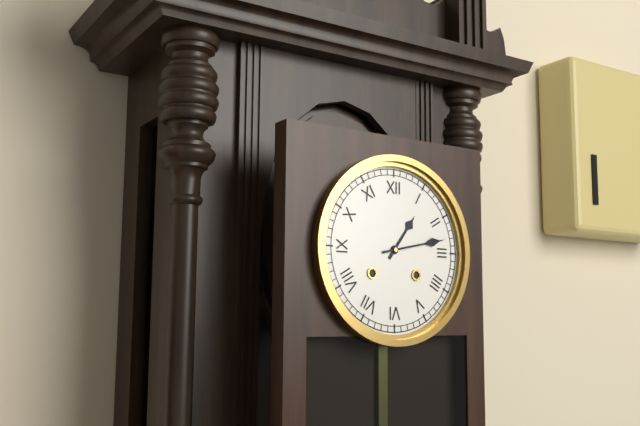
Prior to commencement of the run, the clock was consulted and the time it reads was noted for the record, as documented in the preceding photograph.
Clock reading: 1:13
